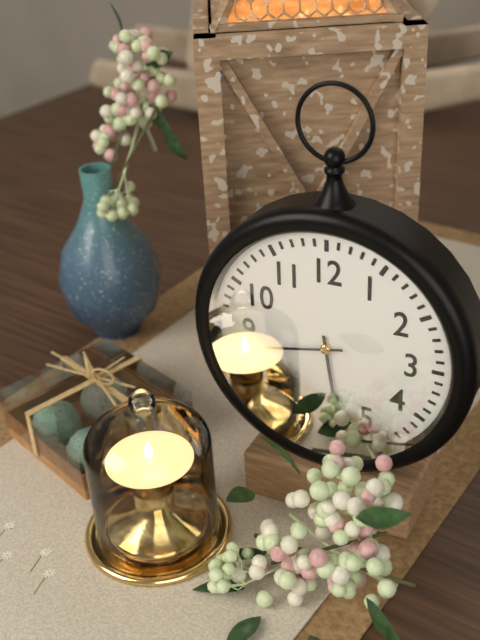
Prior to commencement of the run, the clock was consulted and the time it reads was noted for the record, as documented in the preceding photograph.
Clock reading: 5:43
